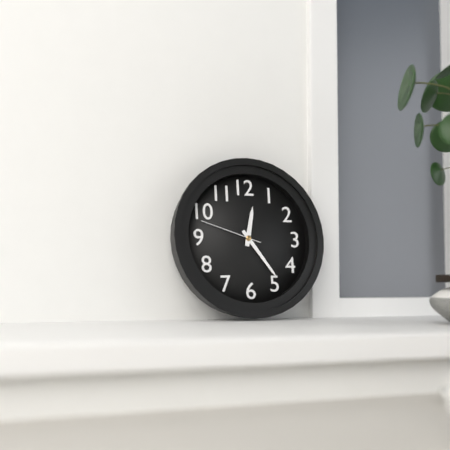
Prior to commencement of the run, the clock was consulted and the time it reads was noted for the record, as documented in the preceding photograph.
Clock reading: 12:24:48
